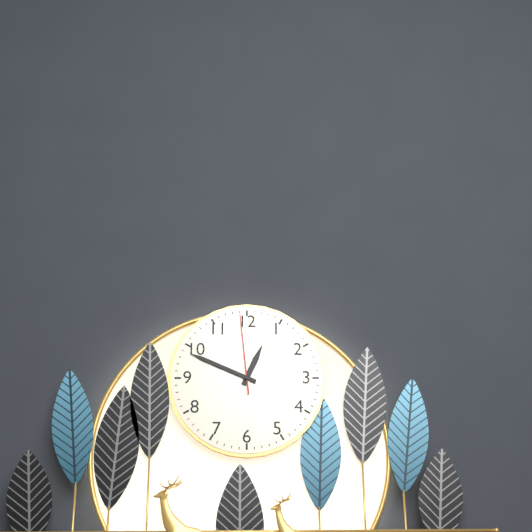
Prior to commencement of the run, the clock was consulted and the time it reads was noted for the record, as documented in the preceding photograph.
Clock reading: 12:49:59
